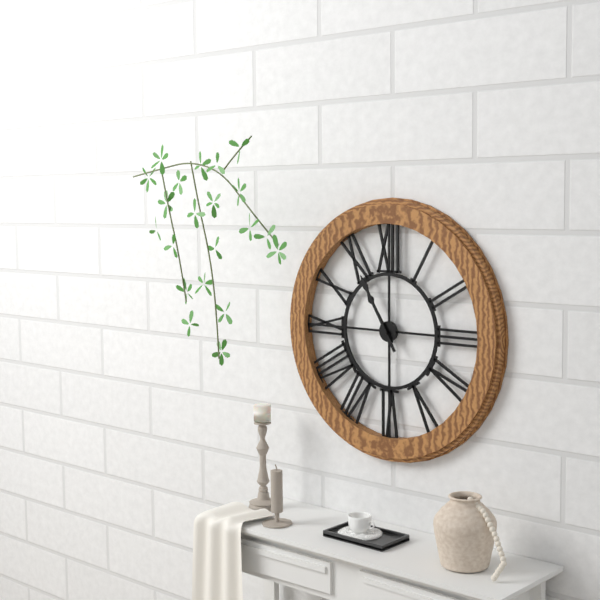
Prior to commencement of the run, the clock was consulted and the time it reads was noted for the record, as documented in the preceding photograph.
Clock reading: 10:55
